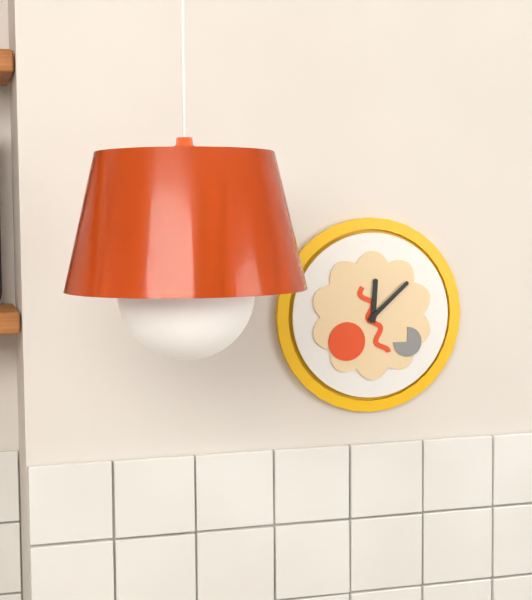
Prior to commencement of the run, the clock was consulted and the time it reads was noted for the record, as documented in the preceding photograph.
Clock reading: 12:08
